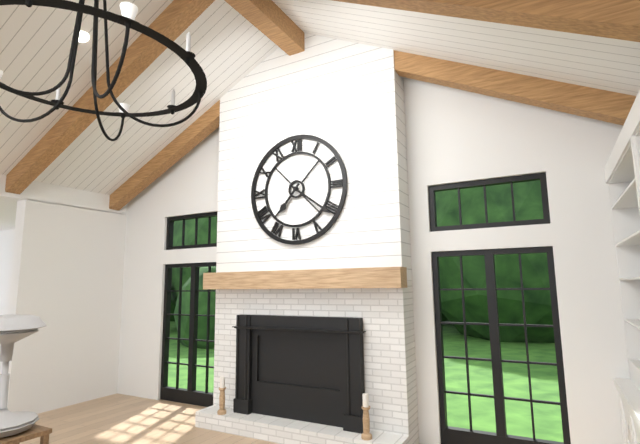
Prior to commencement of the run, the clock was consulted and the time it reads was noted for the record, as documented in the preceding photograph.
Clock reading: 7:21
